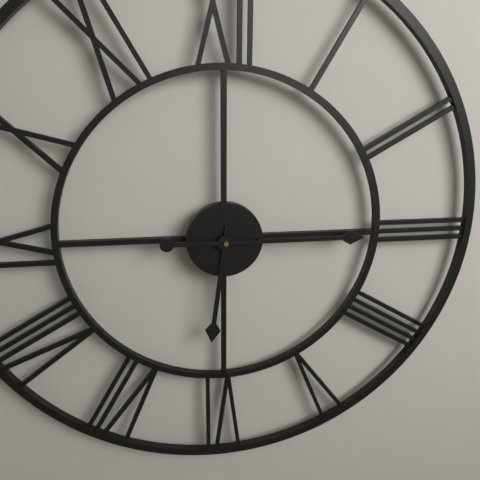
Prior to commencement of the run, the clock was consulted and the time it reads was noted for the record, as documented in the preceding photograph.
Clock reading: 6:15
